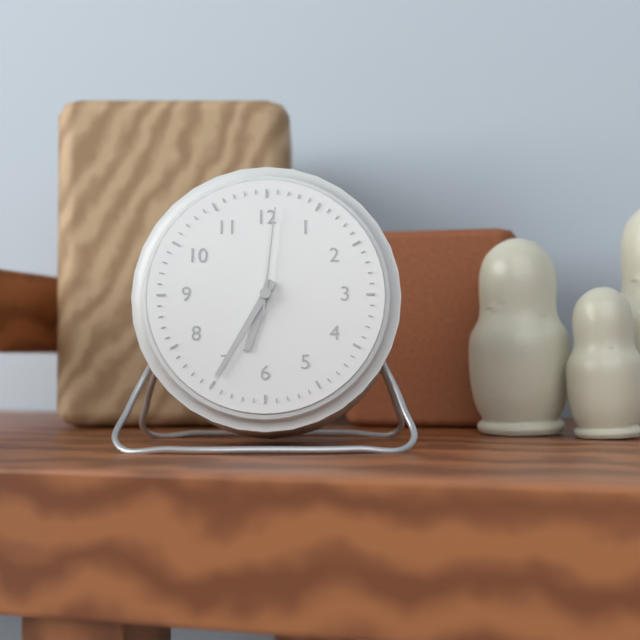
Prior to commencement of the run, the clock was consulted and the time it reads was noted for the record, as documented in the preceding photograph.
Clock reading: 6:35:01
